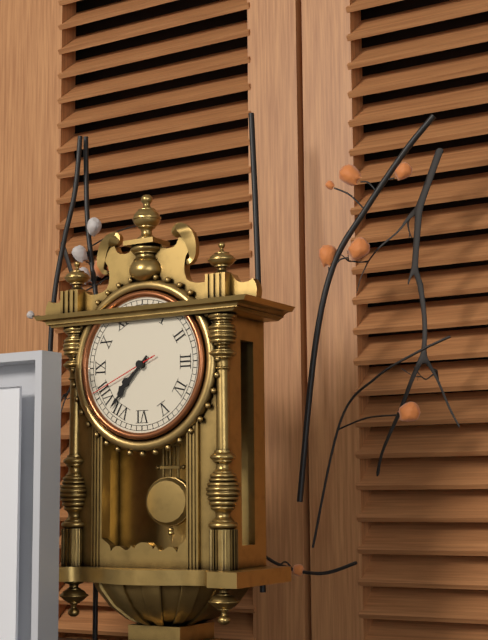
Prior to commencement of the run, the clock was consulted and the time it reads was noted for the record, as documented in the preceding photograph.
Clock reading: 7:37:41
